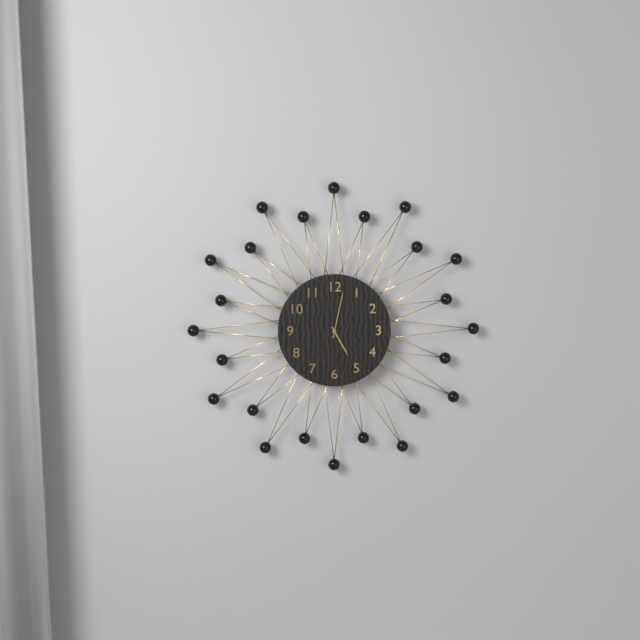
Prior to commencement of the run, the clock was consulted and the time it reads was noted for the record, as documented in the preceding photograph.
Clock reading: 5:02
